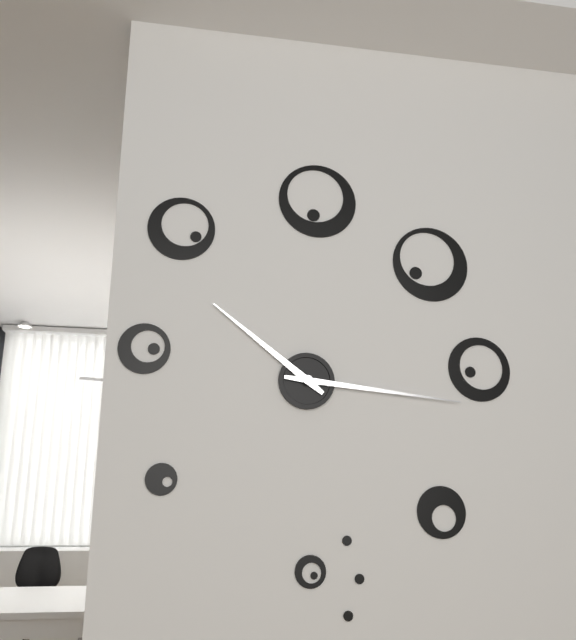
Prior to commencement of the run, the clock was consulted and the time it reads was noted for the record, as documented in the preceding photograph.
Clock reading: 10:16
